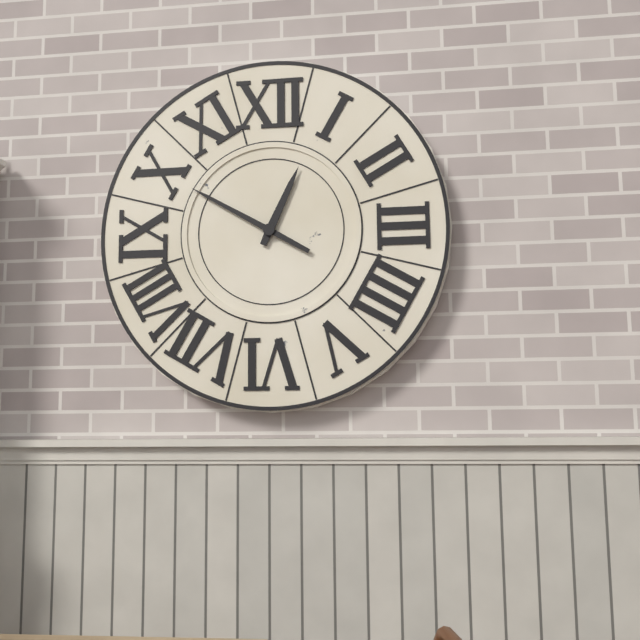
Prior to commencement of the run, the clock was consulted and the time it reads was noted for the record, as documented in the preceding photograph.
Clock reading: 12:50
